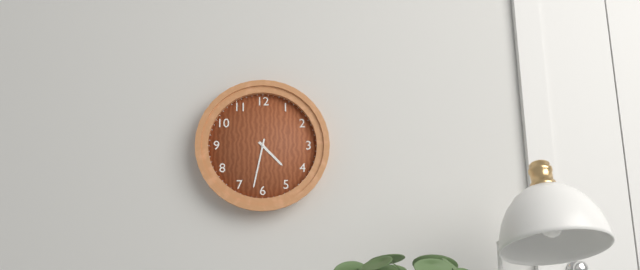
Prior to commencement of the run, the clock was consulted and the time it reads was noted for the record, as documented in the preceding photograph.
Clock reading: 4:32
